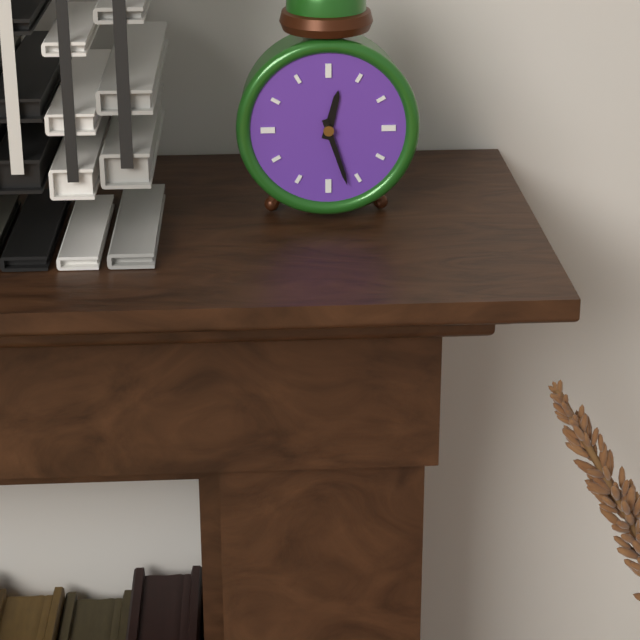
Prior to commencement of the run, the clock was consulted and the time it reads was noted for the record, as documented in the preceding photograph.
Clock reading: 12:27
